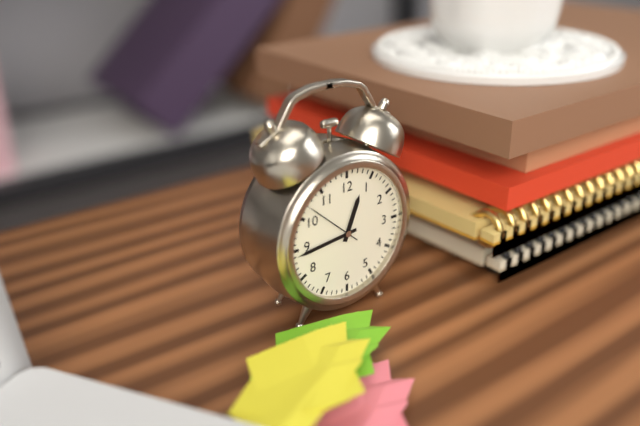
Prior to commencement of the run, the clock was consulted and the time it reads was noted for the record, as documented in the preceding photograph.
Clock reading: 12:44:52
